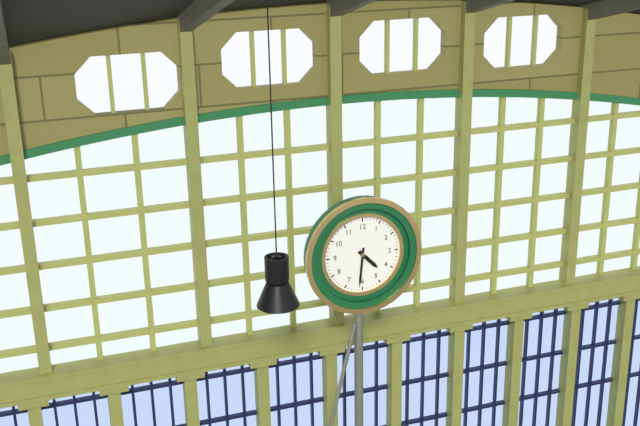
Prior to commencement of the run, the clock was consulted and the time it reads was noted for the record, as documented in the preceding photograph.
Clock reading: 4:31
